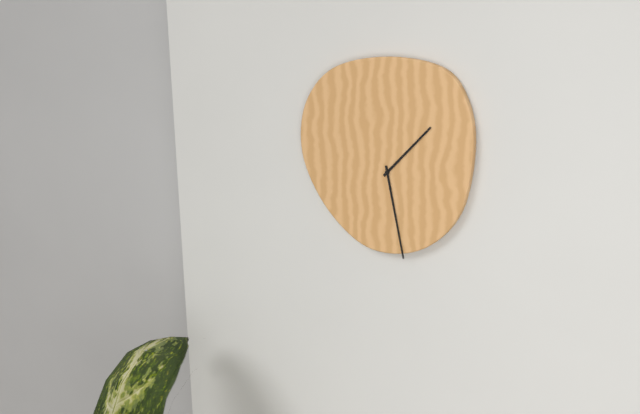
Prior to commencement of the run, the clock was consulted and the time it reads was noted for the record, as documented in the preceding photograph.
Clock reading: 1:28
